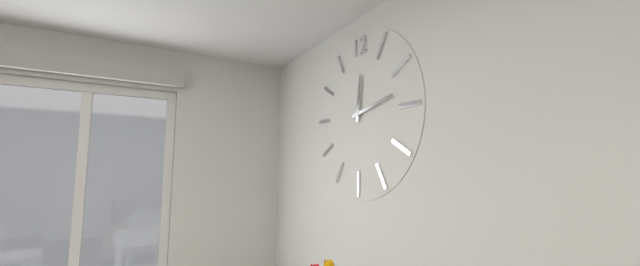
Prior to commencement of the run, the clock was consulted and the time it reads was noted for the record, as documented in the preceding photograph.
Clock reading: 12:13
